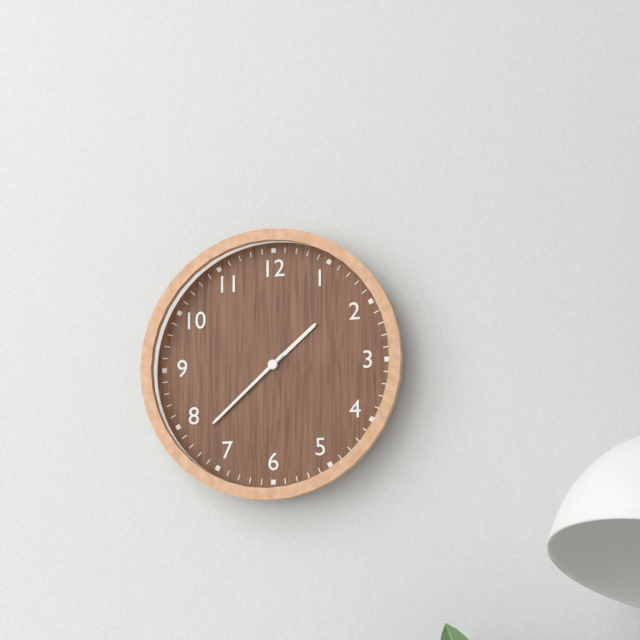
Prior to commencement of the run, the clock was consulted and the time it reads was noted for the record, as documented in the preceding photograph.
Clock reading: 1:38
